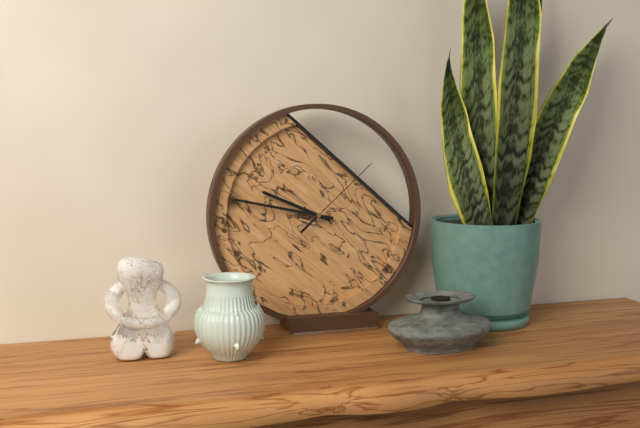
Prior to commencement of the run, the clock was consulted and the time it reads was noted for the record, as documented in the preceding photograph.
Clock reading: 9:47:08
